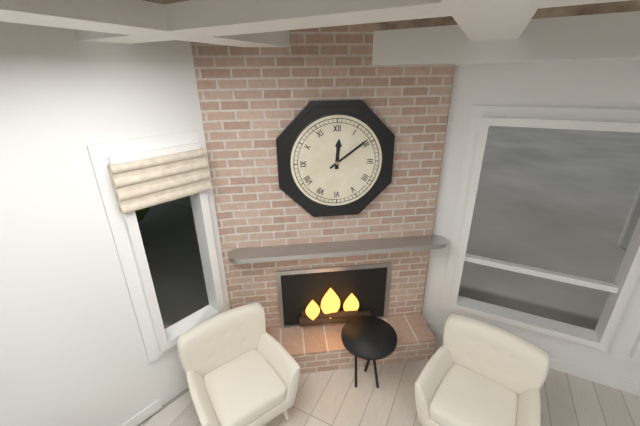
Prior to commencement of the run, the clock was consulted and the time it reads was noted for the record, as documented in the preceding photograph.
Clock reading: 12:09
